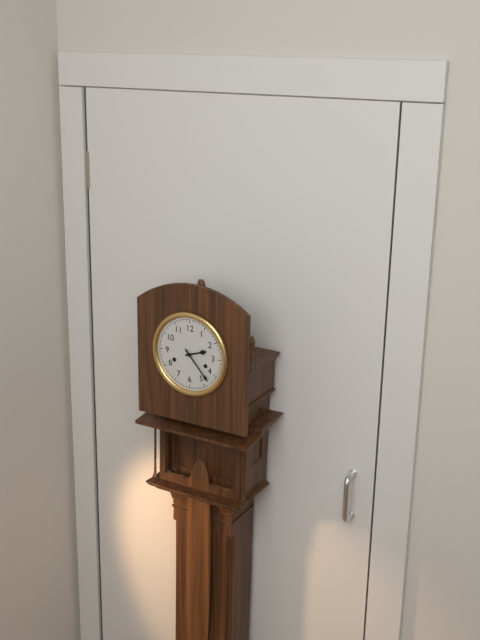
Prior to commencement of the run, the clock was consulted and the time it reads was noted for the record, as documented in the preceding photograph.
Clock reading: 2:23
